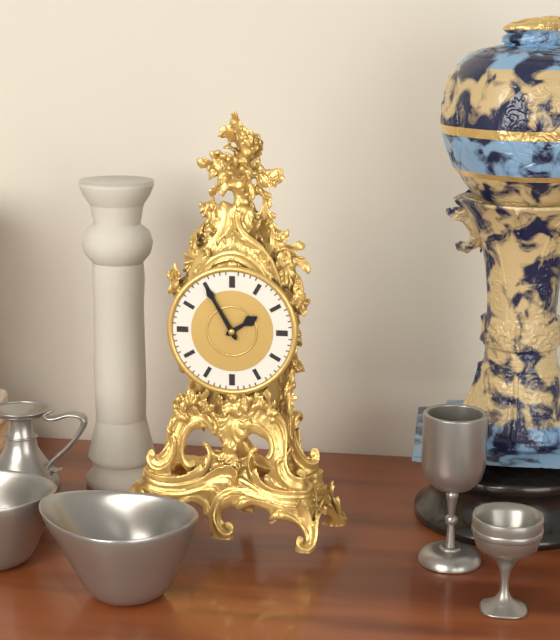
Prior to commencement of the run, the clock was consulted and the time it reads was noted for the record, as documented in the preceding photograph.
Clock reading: 1:55
